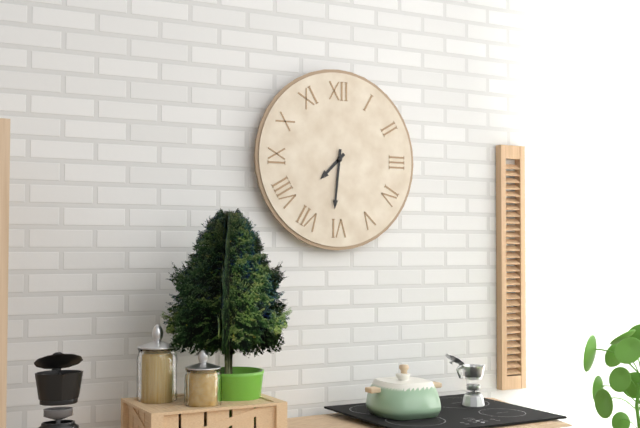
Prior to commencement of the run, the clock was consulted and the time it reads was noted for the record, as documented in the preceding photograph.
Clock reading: 7:31
